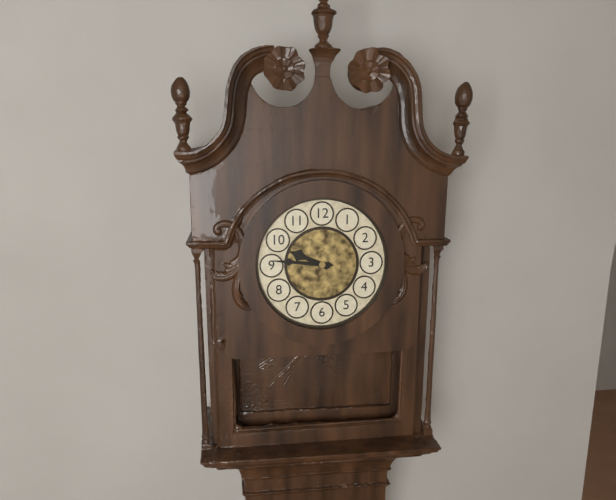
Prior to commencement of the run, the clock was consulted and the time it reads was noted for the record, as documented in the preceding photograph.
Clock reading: 9:46
